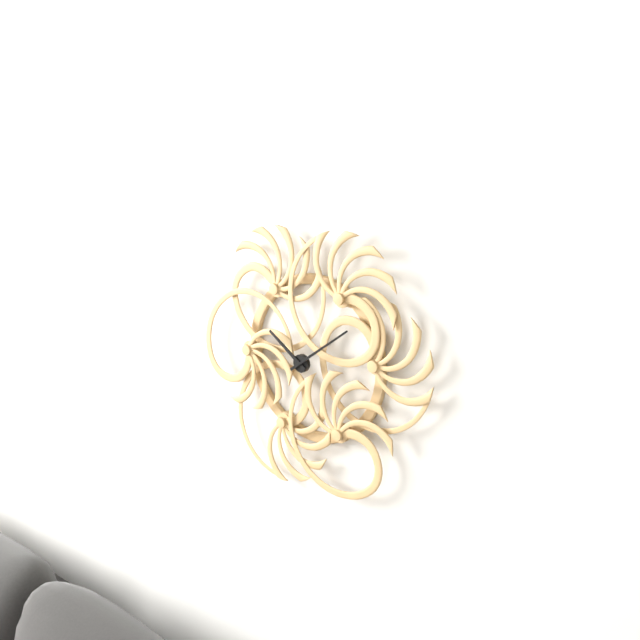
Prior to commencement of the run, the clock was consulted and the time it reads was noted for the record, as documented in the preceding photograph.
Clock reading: 10:09
